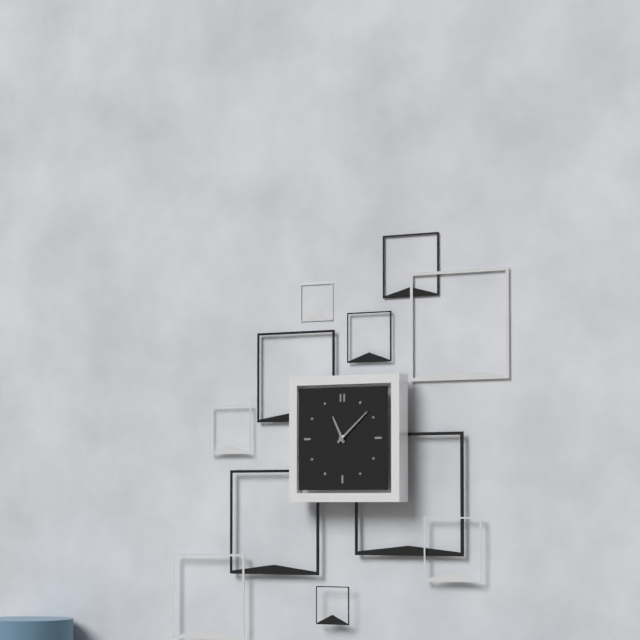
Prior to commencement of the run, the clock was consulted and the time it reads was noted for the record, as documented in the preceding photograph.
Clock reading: 11:08
